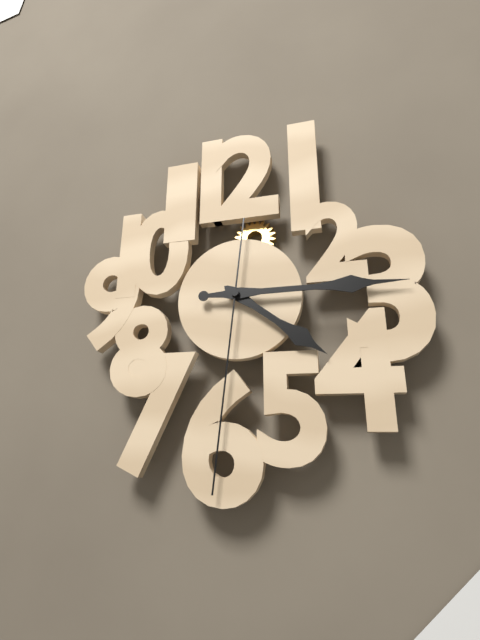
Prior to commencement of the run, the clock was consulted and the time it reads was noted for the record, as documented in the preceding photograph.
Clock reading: 4:15:31
